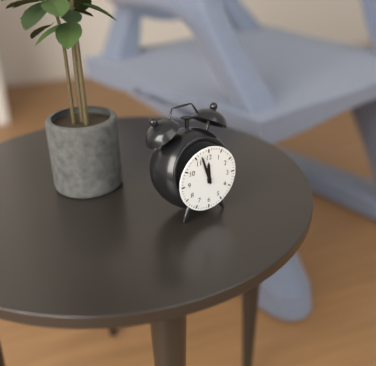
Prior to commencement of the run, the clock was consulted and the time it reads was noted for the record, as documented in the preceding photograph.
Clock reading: 11:57
